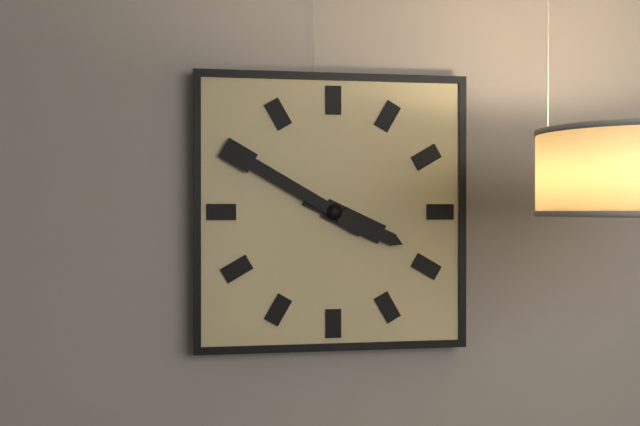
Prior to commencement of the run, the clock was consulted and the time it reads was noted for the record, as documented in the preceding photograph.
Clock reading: 3:50
